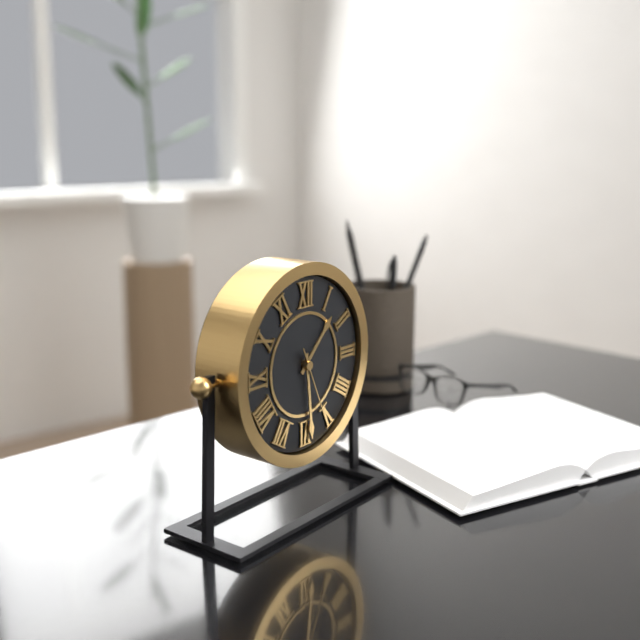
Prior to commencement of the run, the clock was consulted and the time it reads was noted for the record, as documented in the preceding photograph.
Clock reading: 1:29:26
